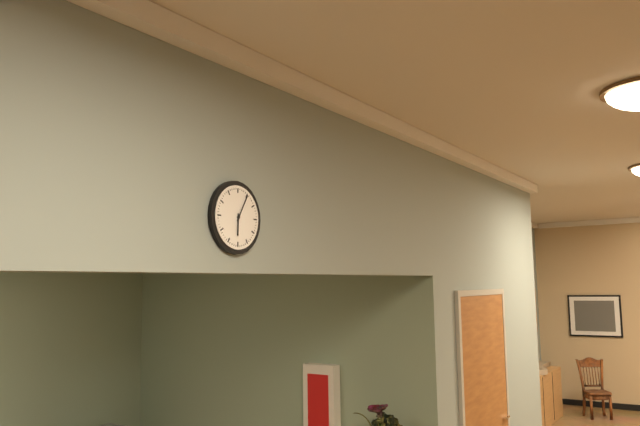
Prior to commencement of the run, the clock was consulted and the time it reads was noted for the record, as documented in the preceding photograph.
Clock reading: 6:05
